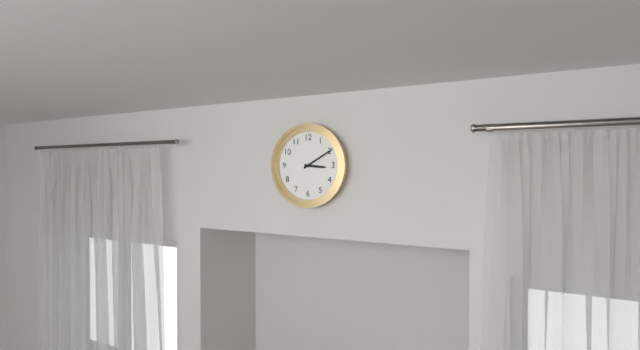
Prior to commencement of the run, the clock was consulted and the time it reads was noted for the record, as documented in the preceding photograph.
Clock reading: 3:10
